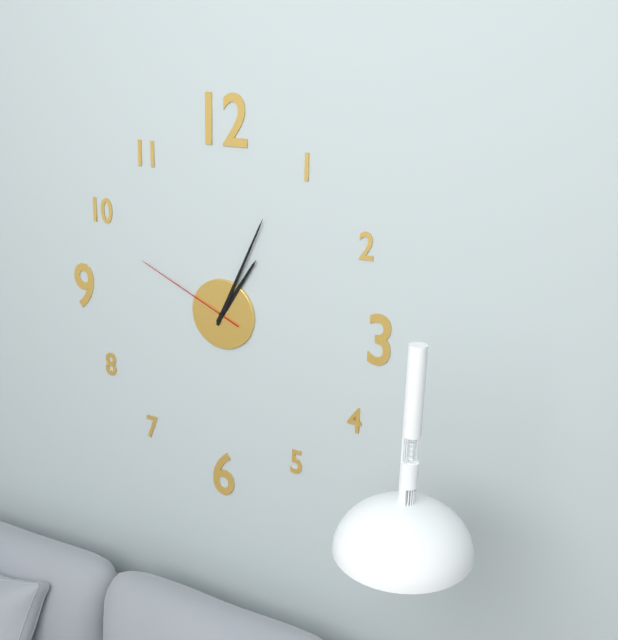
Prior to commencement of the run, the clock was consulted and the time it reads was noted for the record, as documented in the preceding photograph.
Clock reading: 1:04:49
